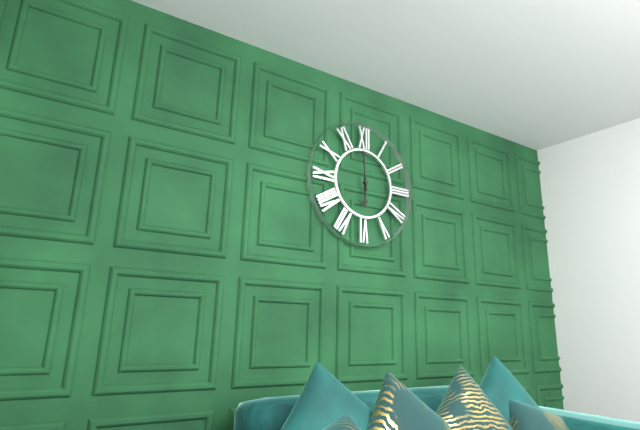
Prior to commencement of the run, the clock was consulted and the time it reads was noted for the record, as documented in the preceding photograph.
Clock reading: 5:59
